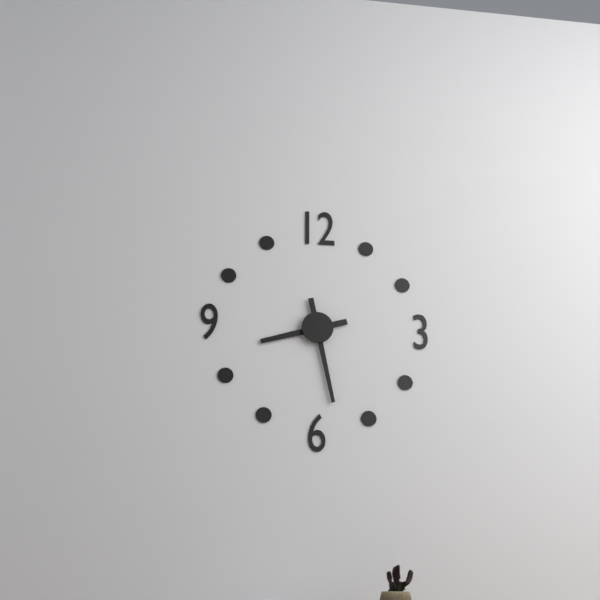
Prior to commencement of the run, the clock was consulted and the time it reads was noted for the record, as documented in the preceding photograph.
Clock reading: 8:28
